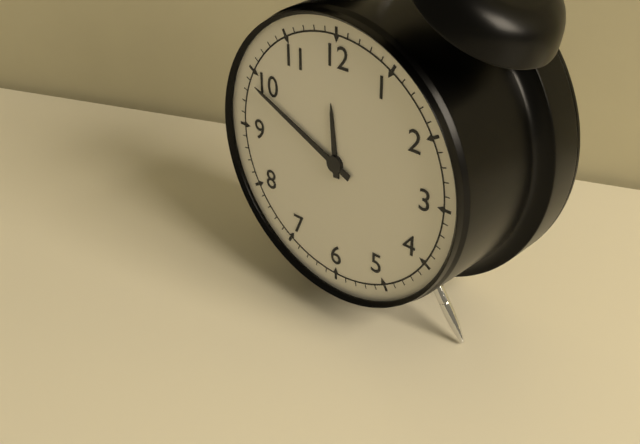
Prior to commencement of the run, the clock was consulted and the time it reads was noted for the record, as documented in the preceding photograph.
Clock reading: 11:49
